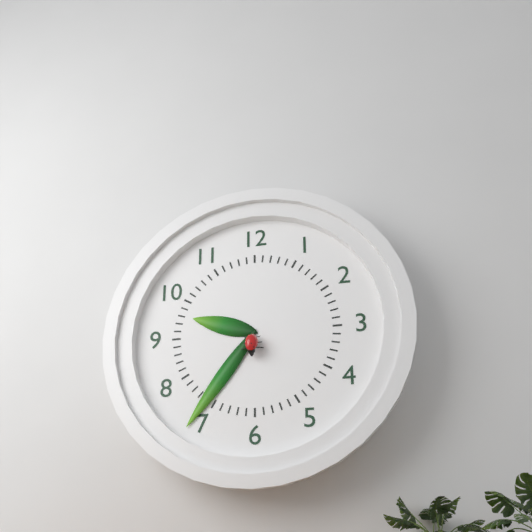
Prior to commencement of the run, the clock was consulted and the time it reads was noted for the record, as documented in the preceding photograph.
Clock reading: 9:36
